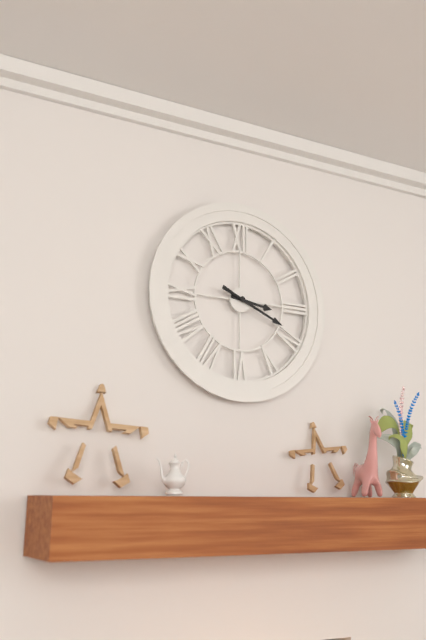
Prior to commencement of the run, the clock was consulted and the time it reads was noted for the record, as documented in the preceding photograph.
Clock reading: 3:19
